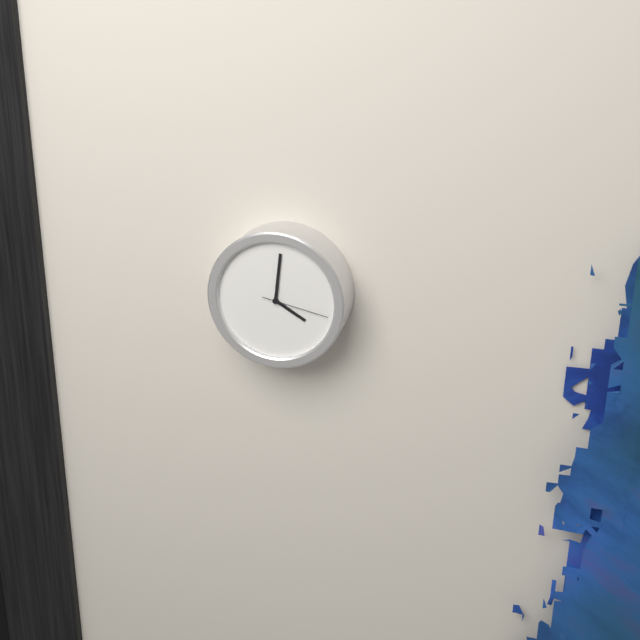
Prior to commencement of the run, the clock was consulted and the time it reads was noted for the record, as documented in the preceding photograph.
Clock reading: 4:01:17
